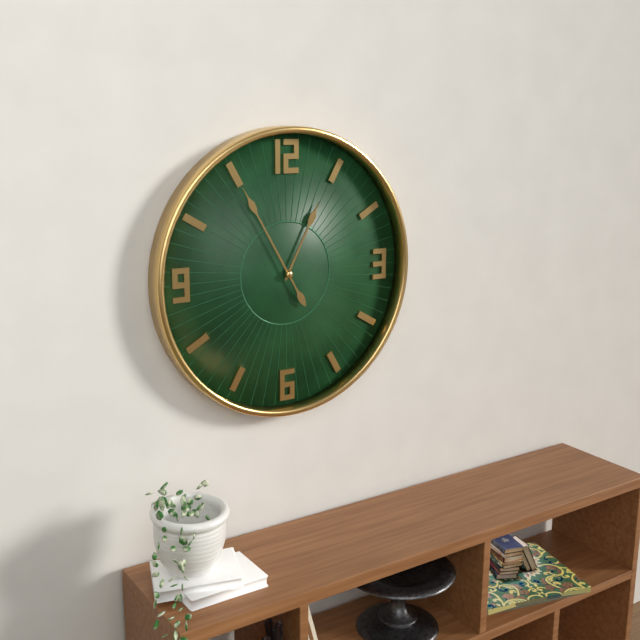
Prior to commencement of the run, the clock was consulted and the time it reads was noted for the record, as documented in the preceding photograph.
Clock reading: 12:55
